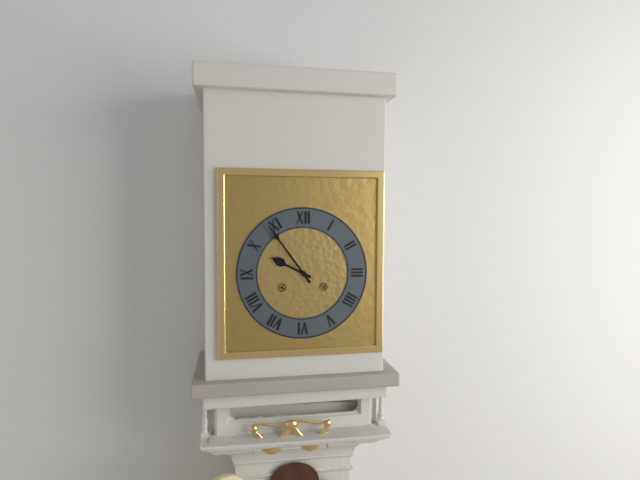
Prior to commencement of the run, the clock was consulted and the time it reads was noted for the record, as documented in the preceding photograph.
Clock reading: 9:54
